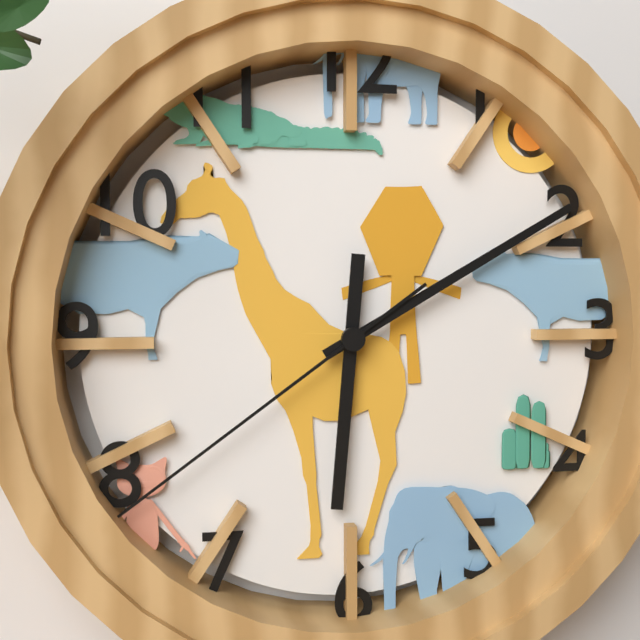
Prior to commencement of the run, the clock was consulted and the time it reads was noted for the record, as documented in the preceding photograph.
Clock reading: 6:10:39
